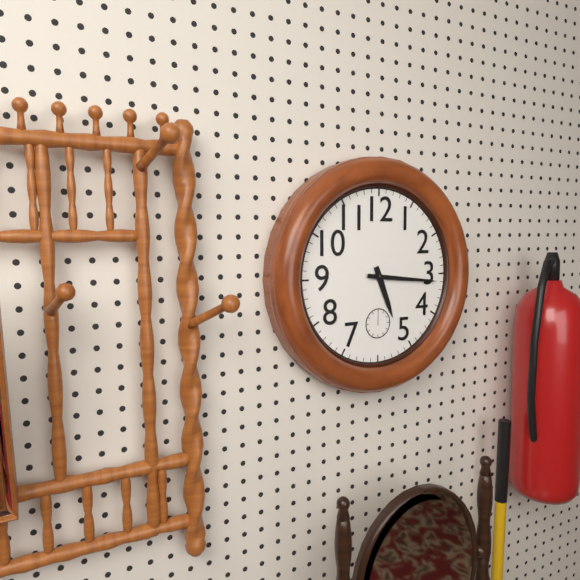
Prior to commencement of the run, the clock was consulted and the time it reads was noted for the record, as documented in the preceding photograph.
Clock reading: 5:16
